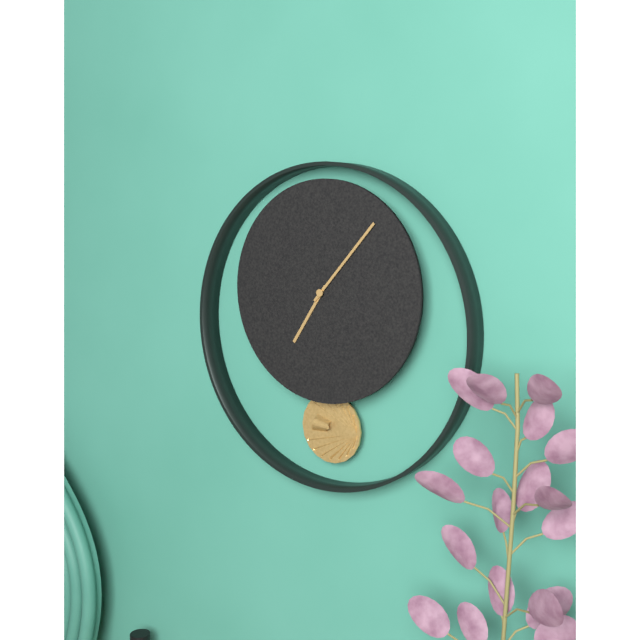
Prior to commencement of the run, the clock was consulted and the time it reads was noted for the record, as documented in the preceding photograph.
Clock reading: 7:07
